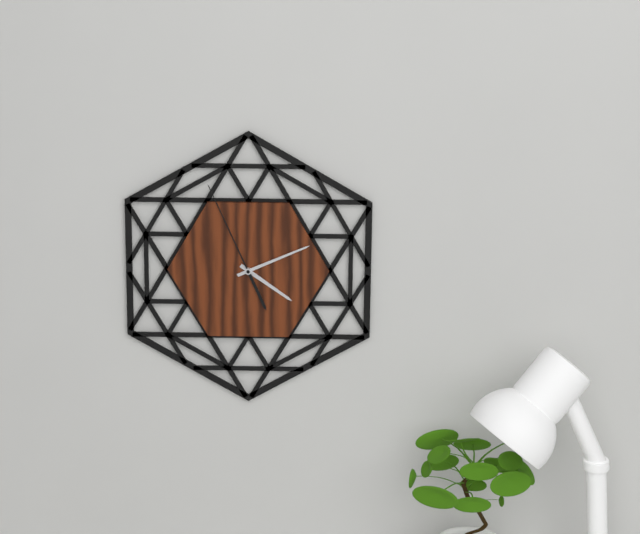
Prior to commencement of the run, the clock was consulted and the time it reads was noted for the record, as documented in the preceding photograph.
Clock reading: 4:11:56
